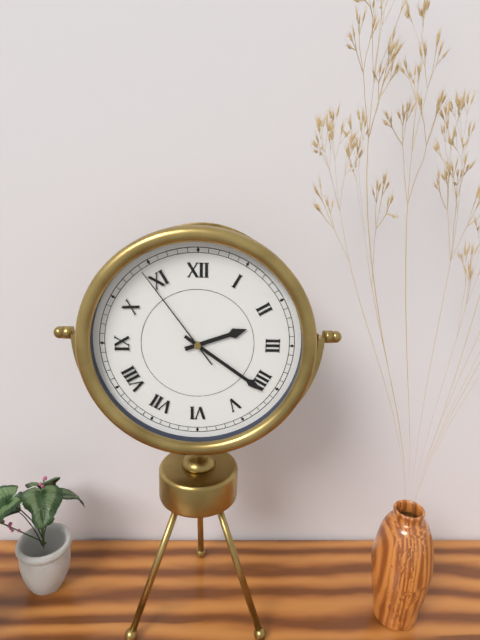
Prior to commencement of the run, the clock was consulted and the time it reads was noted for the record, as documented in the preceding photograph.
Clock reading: 2:21:54
